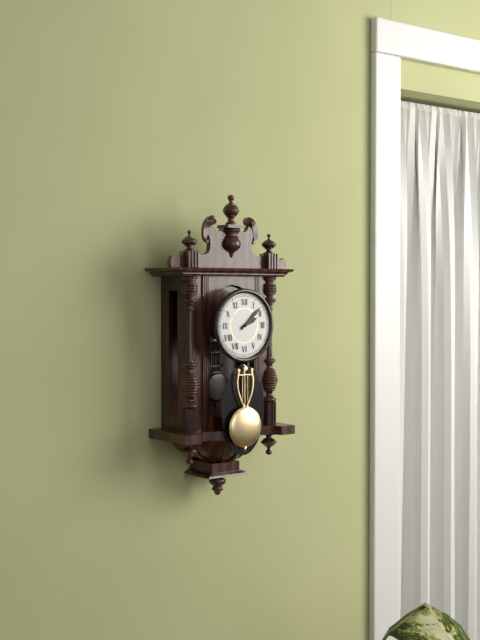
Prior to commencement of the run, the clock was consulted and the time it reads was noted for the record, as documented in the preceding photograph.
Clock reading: 2:08
